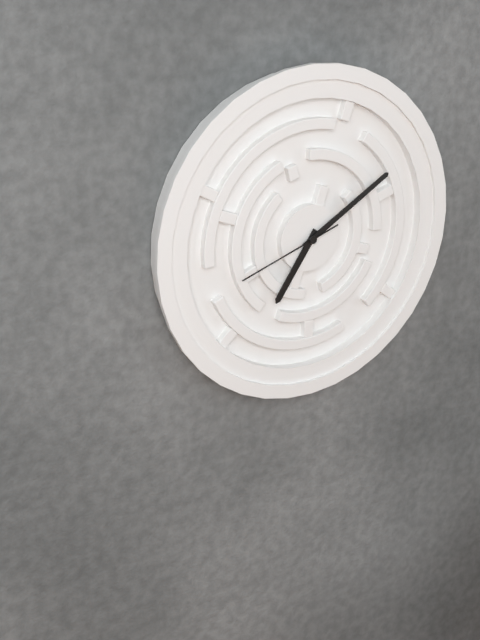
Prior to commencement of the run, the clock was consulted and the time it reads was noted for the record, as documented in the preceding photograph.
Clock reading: 7:10:42
